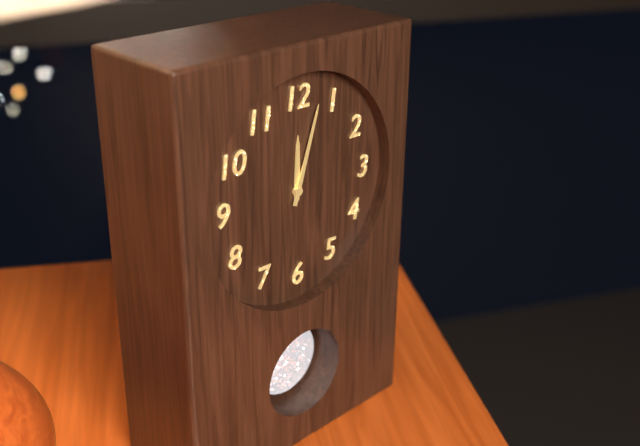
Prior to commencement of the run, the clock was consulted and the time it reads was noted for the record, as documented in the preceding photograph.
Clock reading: 12:03
